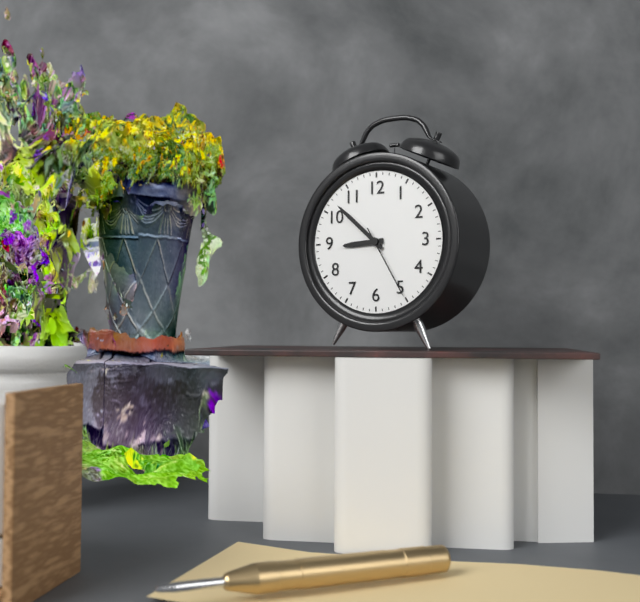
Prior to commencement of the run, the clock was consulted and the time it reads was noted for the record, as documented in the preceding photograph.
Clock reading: 8:52:25
